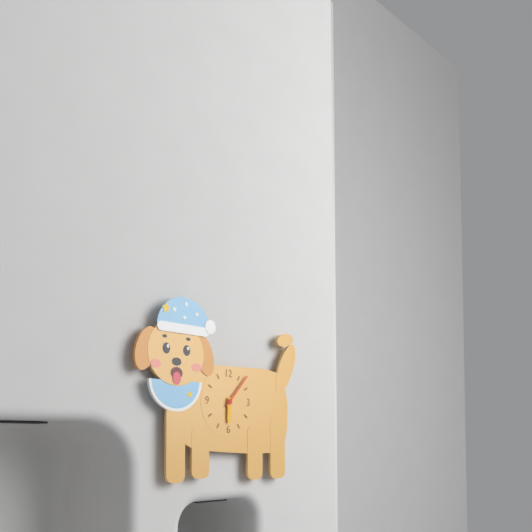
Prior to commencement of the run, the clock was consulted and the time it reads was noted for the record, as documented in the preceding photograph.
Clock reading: 6:07
